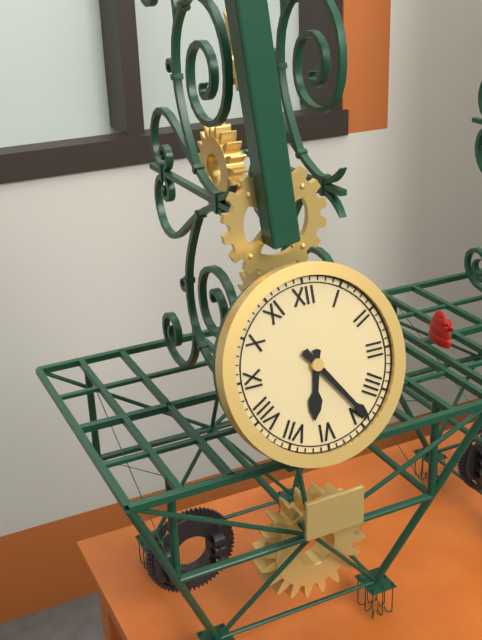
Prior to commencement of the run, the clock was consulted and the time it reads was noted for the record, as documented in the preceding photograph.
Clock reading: 6:24
